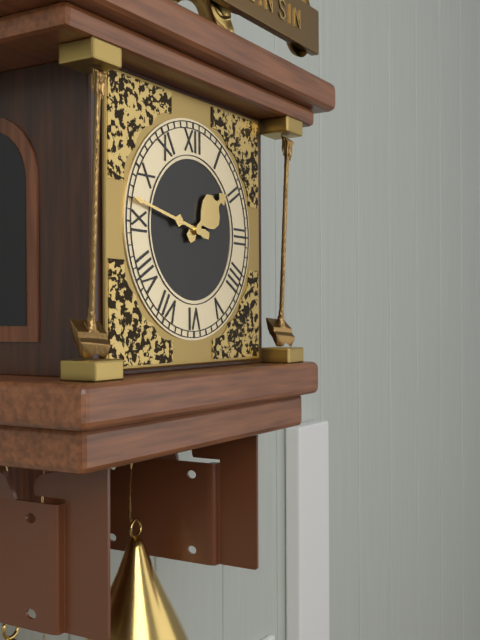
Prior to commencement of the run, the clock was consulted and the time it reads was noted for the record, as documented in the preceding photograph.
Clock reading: 1:47
